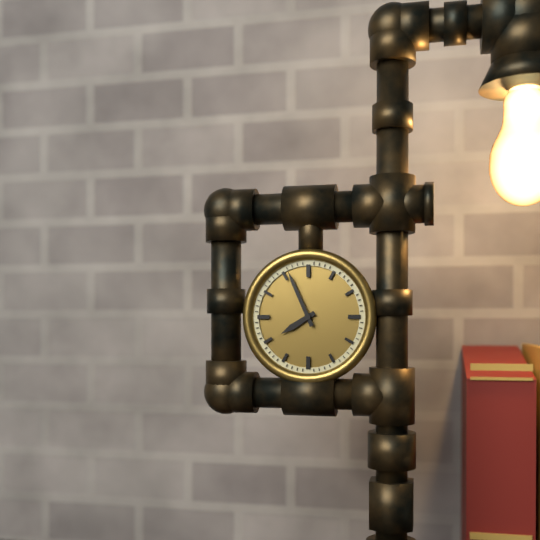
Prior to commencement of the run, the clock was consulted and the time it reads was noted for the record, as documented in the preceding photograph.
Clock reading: 7:56
